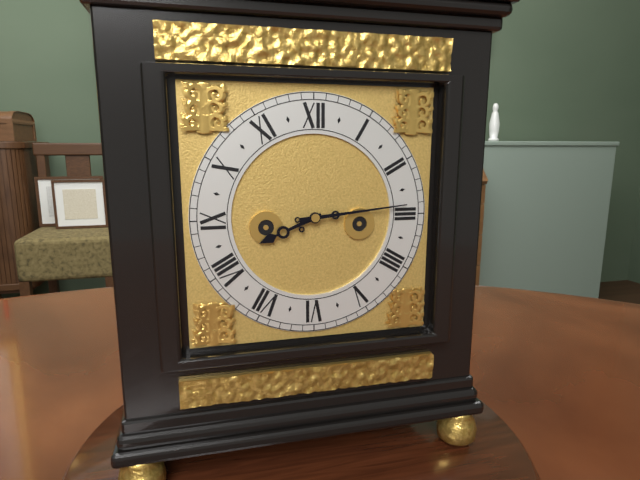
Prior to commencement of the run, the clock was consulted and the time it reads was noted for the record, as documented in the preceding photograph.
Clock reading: 8:14
